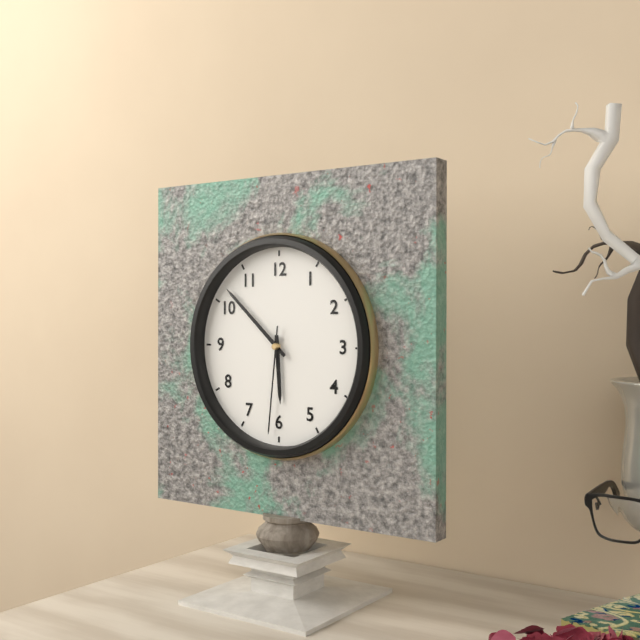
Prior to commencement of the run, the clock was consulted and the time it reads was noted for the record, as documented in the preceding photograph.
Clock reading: 5:52:31
